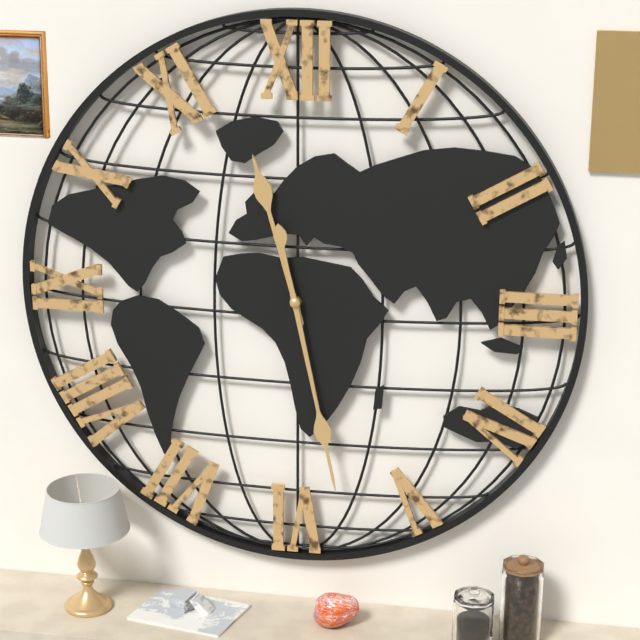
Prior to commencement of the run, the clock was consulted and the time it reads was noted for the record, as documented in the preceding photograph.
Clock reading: 11:28
